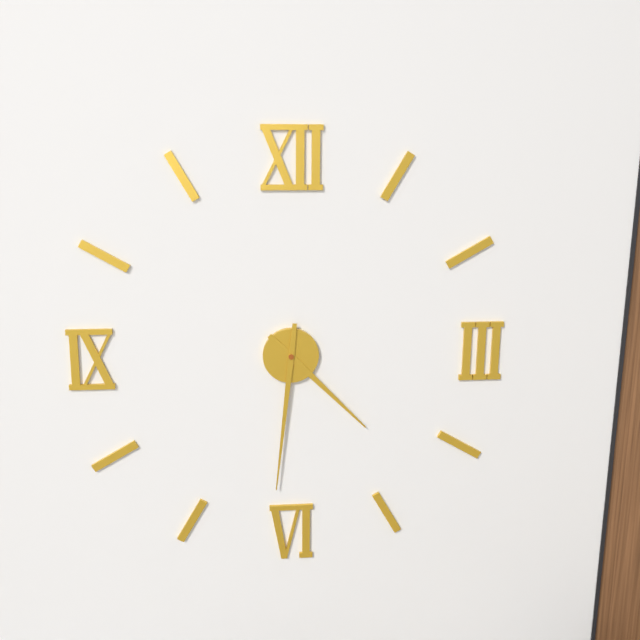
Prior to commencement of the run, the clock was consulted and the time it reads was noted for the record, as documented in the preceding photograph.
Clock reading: 4:31
